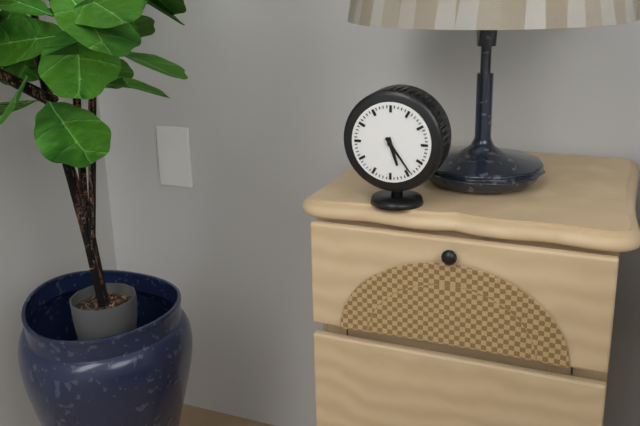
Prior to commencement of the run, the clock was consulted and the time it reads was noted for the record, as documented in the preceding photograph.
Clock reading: 5:24
